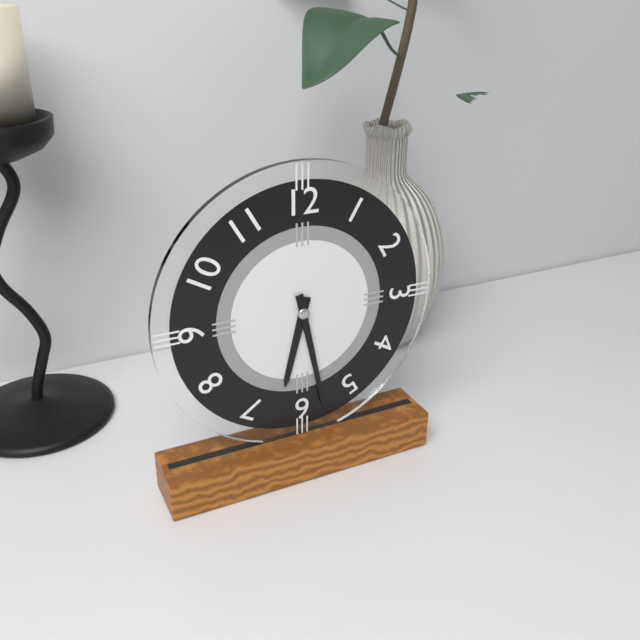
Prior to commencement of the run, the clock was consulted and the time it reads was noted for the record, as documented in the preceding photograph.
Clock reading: 6:28
